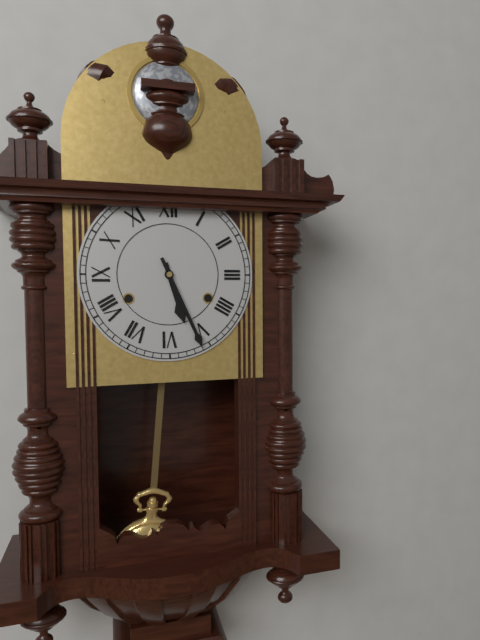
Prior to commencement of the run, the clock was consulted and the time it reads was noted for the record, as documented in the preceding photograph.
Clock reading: 5:26
